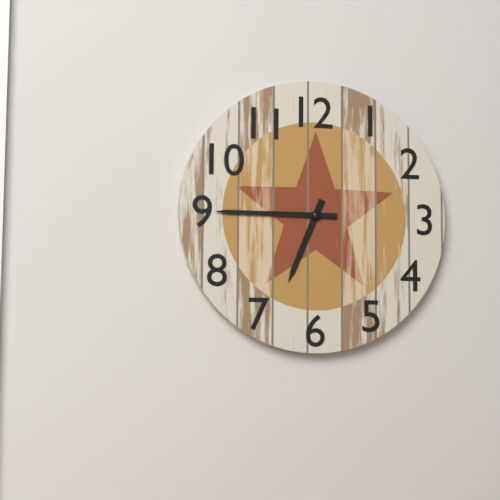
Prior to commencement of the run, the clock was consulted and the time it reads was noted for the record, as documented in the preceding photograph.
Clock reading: 6:45
